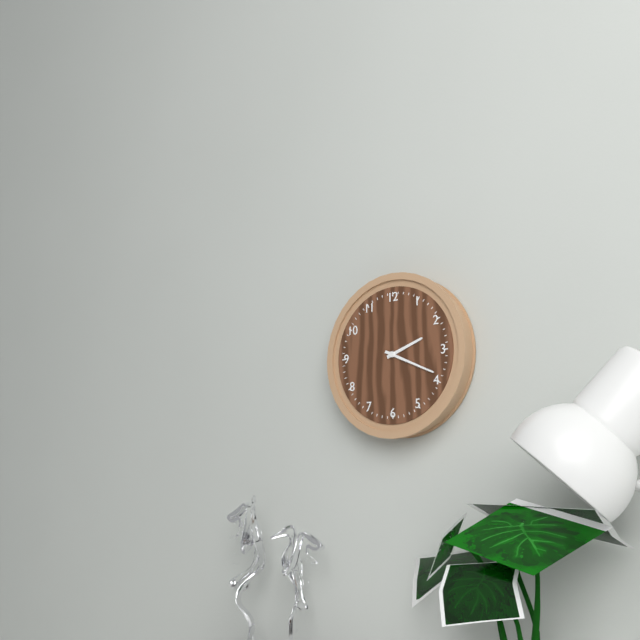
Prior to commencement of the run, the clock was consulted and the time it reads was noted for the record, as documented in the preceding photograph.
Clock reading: 2:19
